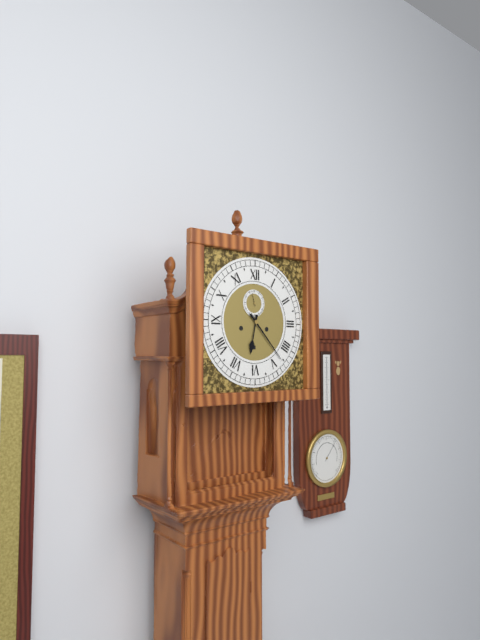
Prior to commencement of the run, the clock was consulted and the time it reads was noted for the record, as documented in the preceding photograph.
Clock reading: 6:23
